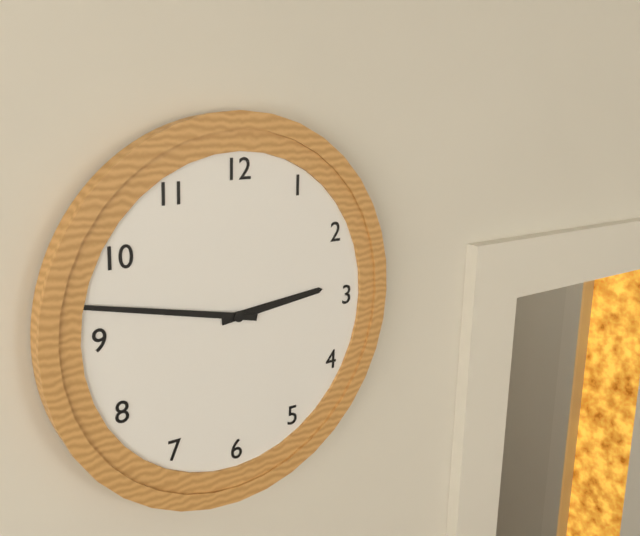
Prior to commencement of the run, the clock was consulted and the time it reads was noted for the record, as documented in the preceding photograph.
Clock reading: 2:47
